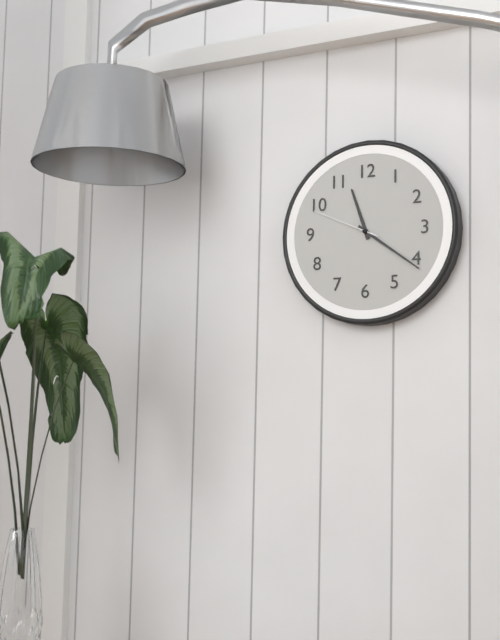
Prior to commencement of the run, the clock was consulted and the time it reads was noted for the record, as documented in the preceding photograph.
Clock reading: 11:21:49
